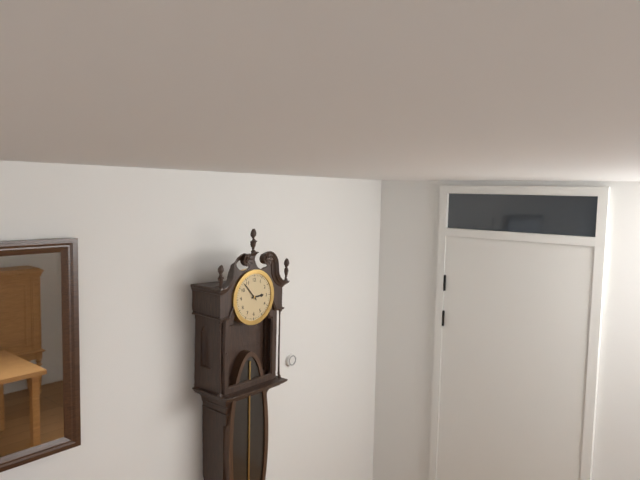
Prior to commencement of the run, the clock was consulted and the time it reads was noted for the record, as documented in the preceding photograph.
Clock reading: 2:53
